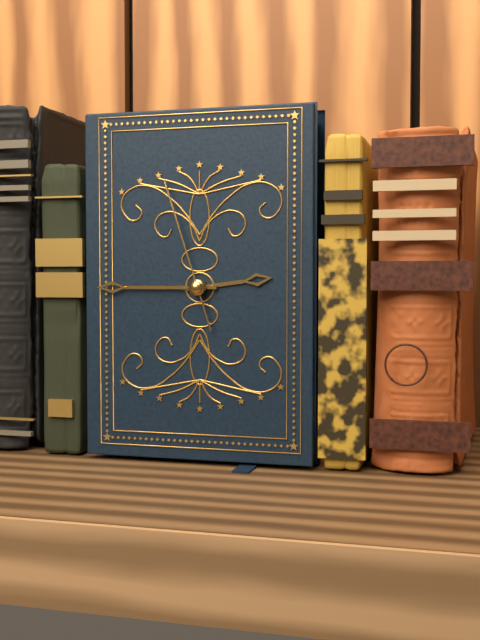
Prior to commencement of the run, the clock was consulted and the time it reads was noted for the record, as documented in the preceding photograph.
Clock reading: 2:45:57
